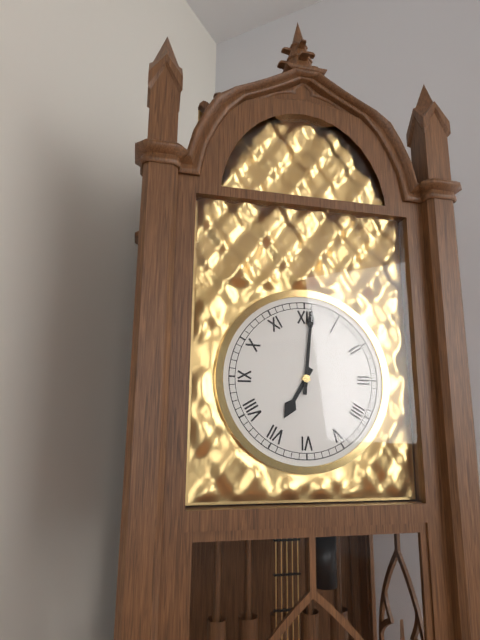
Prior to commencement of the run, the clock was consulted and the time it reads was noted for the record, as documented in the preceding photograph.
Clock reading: 7:01
